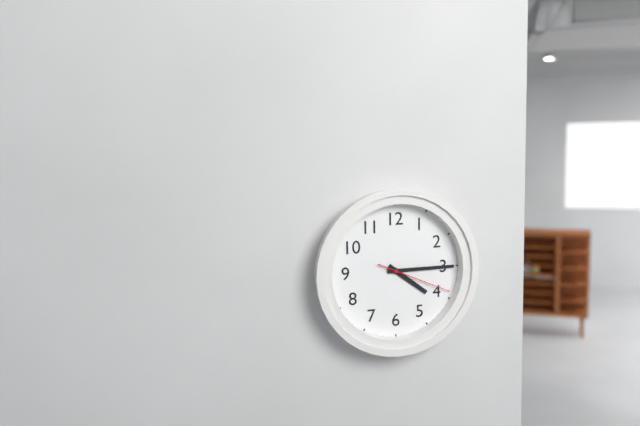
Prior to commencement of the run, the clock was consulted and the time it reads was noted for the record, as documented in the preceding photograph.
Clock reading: 4:15:19
